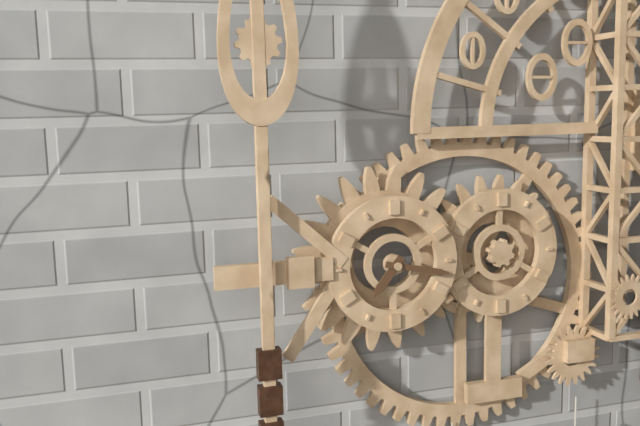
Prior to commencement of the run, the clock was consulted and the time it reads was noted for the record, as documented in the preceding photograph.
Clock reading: 7:17
